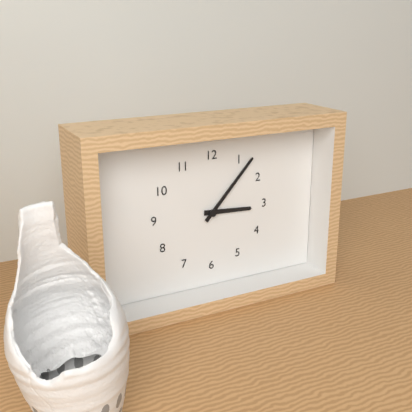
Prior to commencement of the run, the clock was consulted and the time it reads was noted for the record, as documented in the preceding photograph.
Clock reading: 3:07
